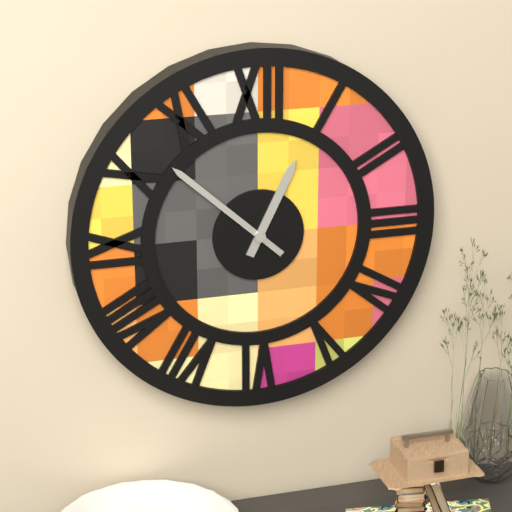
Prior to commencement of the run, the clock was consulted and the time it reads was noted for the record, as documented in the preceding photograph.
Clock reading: 12:52
